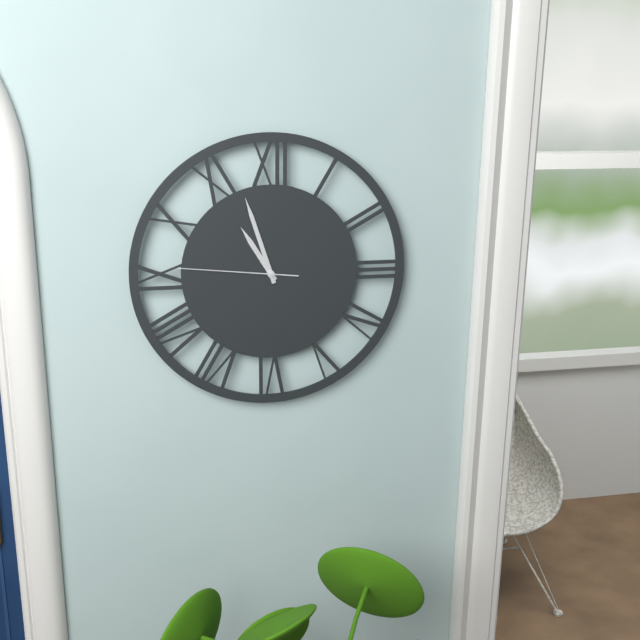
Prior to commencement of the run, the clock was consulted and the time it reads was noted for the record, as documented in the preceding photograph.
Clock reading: 10:57:46
